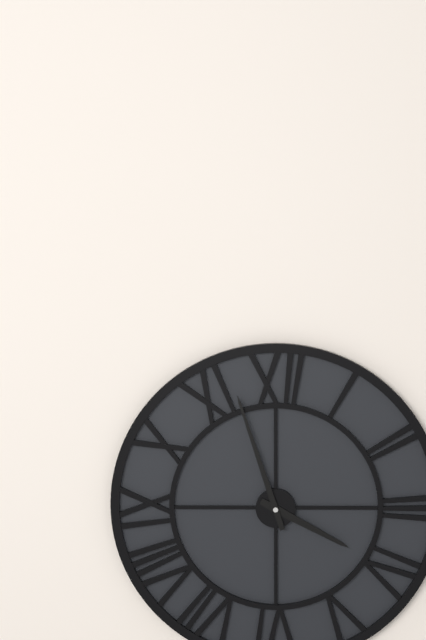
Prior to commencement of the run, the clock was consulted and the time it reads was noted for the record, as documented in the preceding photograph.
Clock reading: 3:57
